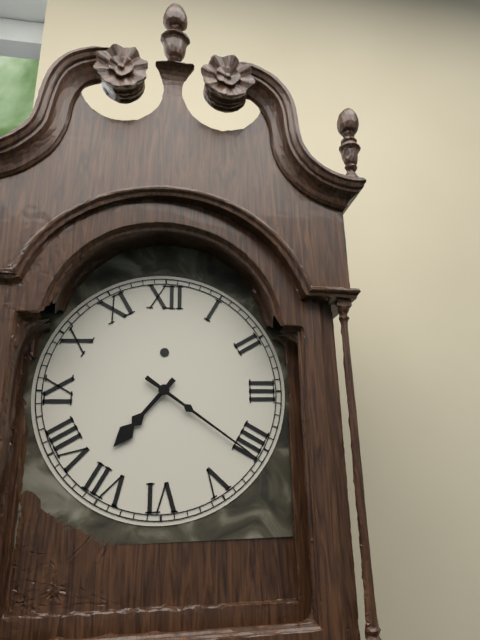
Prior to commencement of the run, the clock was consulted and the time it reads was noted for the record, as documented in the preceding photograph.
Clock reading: 7:21
